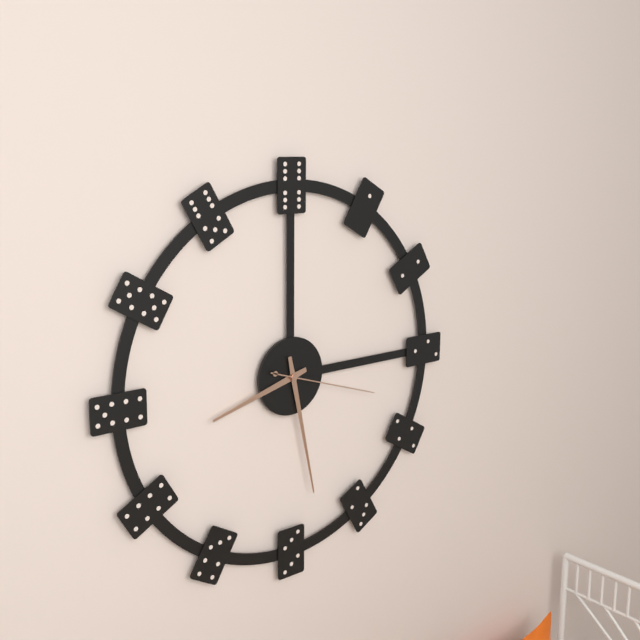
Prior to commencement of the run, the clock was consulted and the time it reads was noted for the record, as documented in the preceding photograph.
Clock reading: 8:28:18
